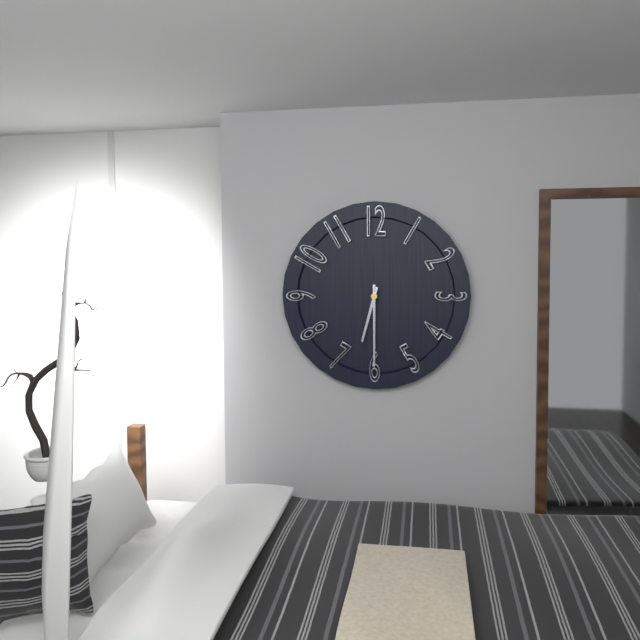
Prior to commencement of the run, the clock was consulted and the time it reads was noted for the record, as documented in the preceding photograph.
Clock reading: 6:30
